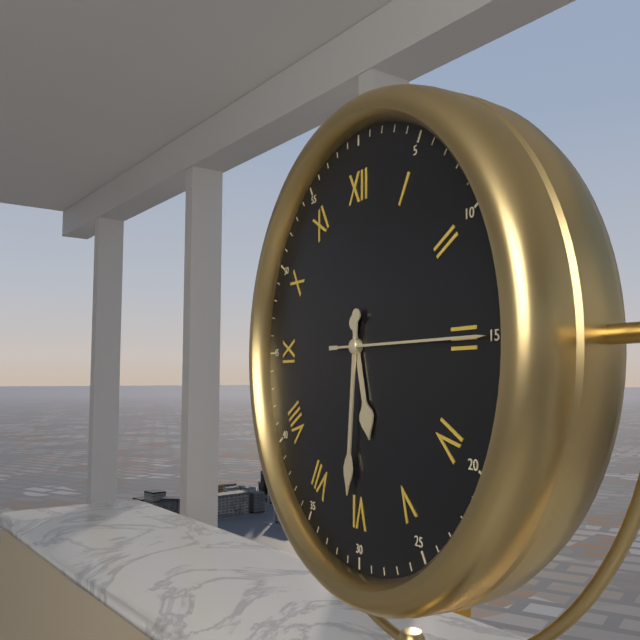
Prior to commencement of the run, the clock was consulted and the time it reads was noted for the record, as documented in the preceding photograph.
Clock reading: 5:31:15
